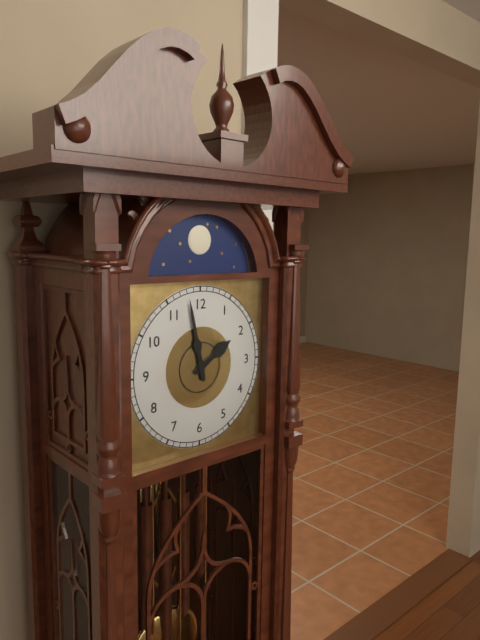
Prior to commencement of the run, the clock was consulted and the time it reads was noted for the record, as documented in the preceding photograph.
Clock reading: 1:58
